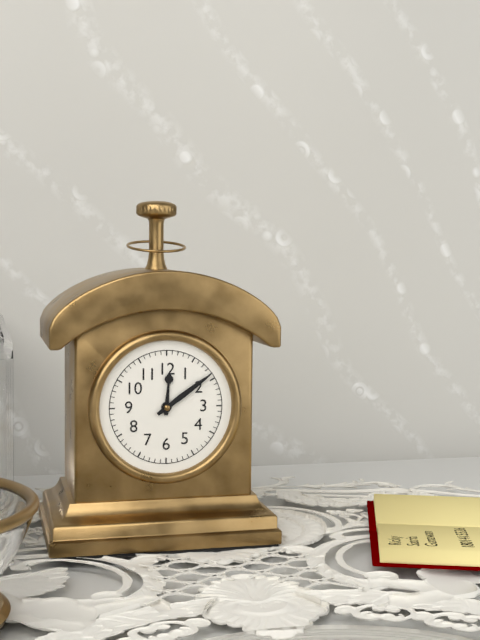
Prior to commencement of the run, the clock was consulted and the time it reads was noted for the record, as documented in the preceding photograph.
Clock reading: 12:09
